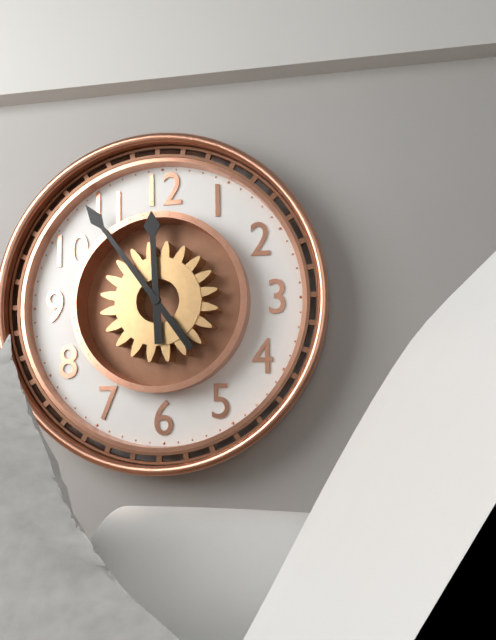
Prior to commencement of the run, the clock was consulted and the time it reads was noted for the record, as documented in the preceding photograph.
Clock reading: 11:54
